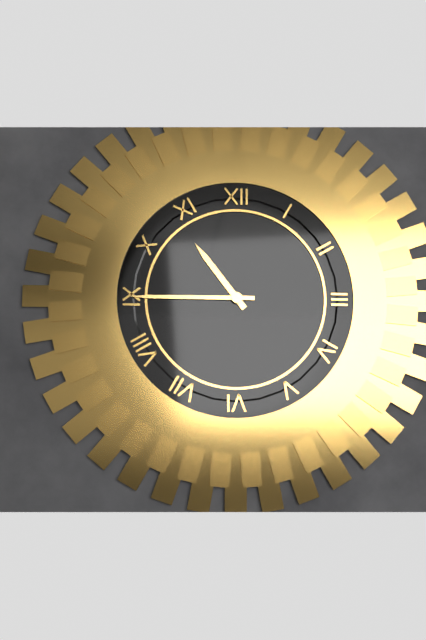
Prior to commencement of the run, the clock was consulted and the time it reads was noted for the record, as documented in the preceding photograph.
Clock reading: 10:45
